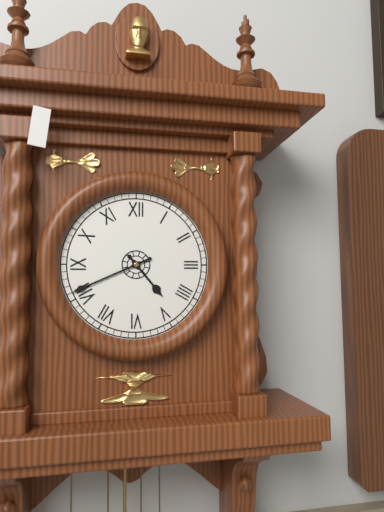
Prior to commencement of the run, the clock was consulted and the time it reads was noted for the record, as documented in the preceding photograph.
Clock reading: 4:41
